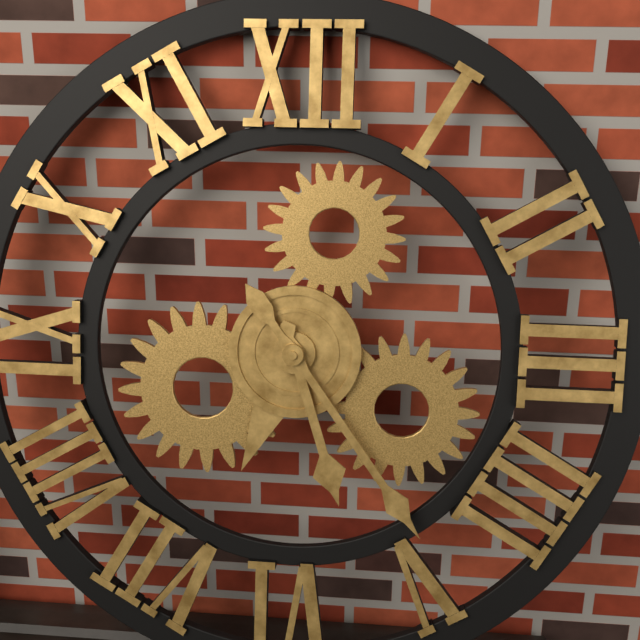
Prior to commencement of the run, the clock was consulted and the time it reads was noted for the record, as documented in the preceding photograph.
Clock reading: 5:24
